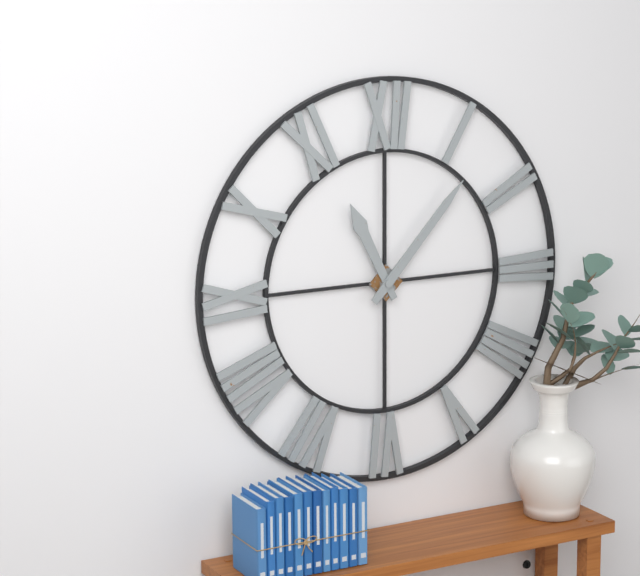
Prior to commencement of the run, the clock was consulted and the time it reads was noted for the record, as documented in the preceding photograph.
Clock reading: 11:07
